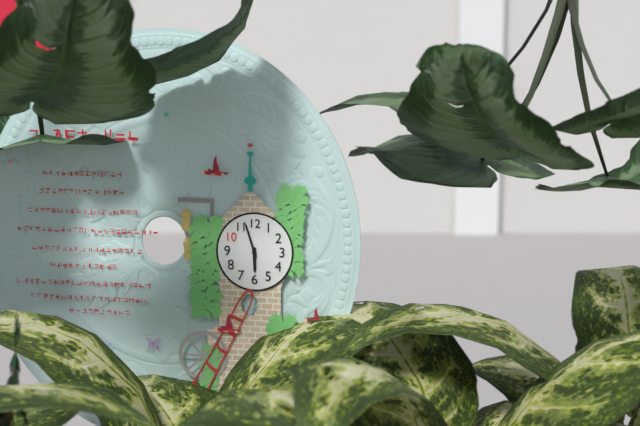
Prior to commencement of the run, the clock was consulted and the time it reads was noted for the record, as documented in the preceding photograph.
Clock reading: 5:57
